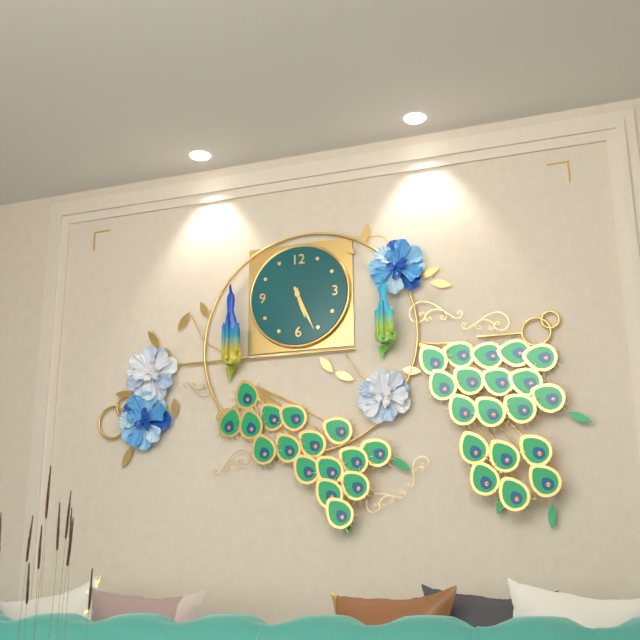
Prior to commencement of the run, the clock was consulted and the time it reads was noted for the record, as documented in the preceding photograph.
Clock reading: 5:26
